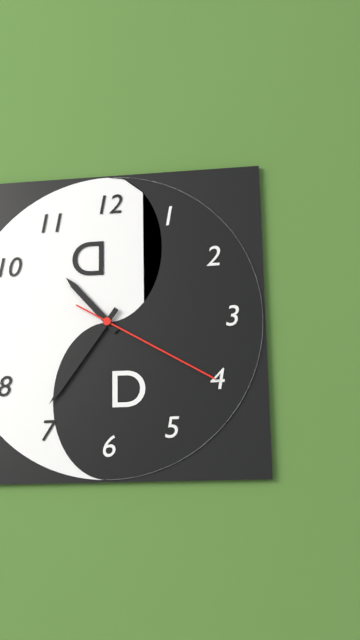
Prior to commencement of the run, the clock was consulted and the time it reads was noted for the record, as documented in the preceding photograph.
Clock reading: 10:36:20
